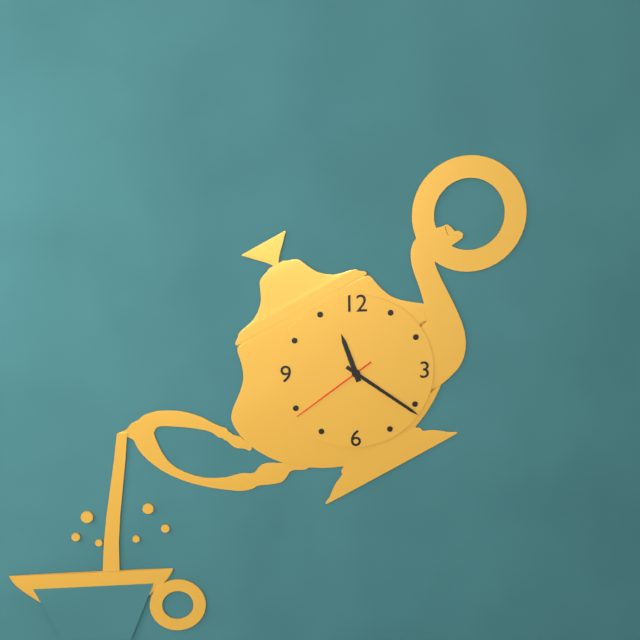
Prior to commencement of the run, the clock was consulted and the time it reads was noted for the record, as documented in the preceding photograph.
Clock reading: 11:21:39
